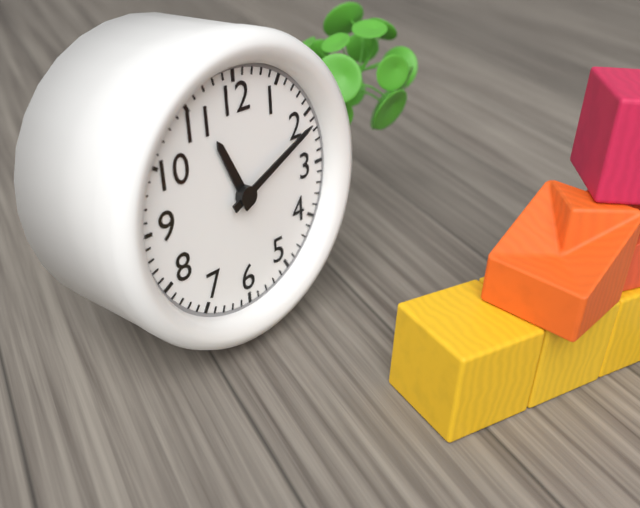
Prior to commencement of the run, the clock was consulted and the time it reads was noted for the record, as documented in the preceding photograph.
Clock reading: 11:11
